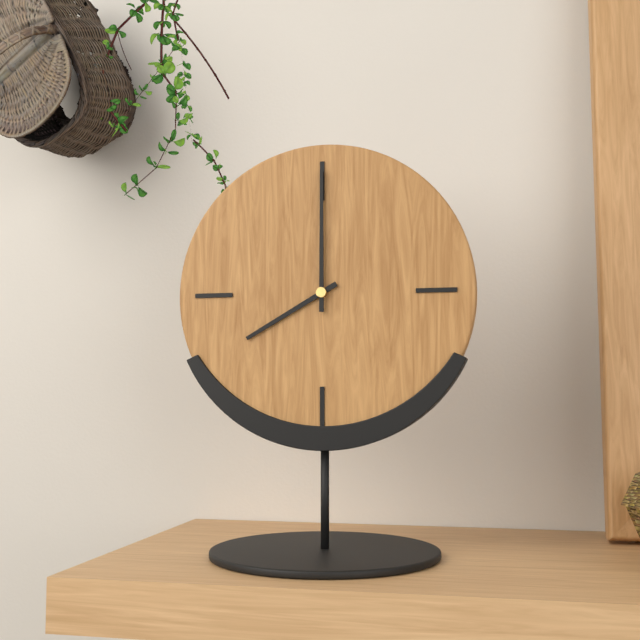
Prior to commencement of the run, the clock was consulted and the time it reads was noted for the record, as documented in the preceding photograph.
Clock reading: 8:00
